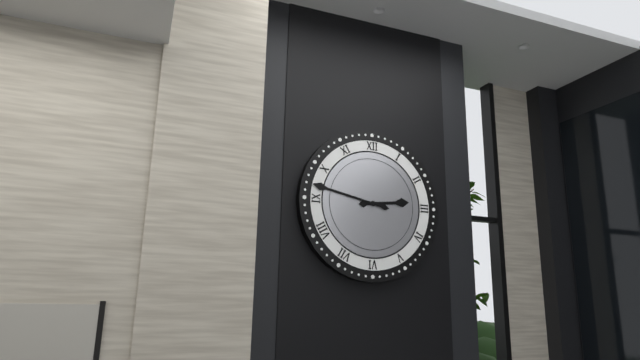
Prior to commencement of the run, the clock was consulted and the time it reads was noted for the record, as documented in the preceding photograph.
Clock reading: 2:47
